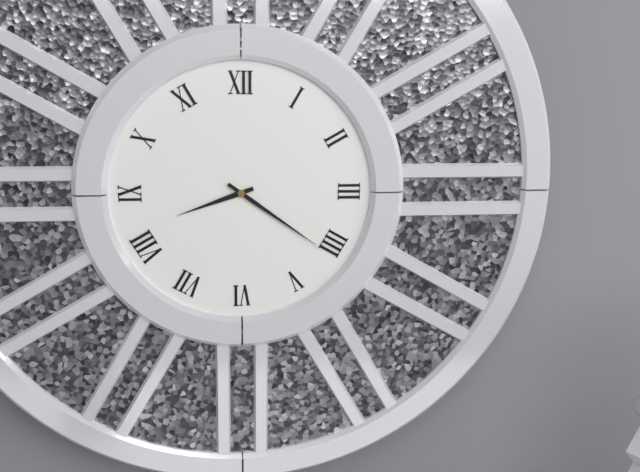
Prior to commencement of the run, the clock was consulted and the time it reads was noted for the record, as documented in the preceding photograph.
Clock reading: 8:21
